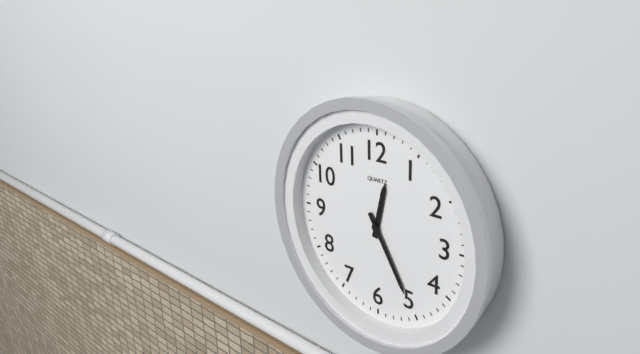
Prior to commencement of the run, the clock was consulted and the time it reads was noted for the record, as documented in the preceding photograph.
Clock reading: 12:25
